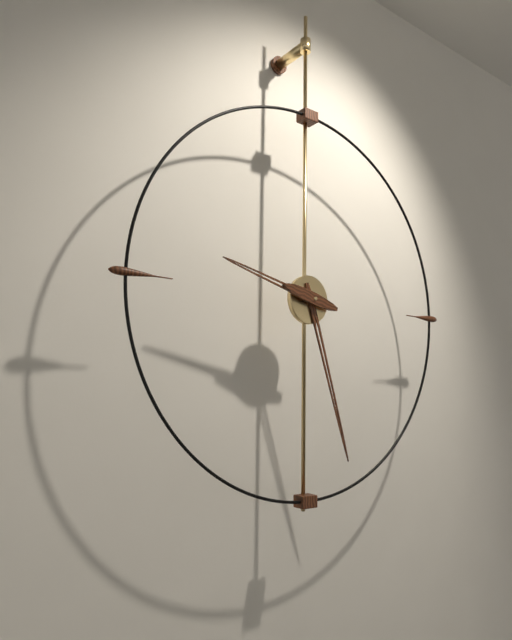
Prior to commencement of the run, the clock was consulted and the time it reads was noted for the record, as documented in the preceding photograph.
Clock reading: 9:27
